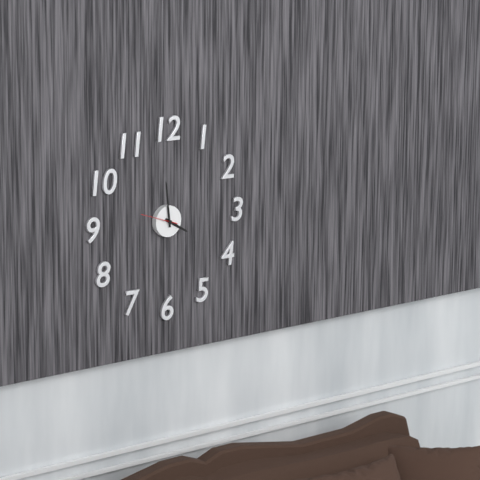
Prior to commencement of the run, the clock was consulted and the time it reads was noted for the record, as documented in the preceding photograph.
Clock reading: 3:59
